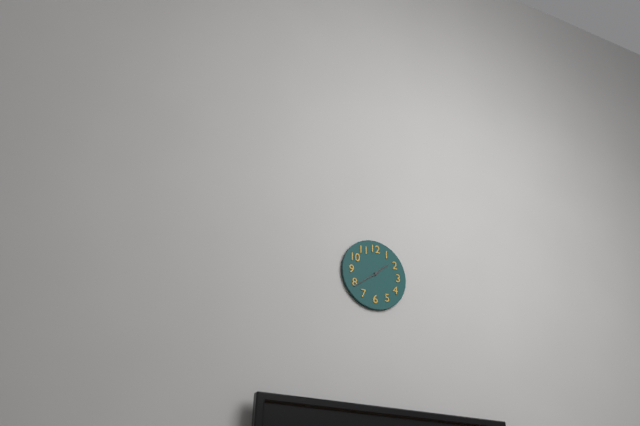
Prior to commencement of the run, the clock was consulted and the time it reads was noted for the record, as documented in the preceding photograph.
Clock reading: 1:39
